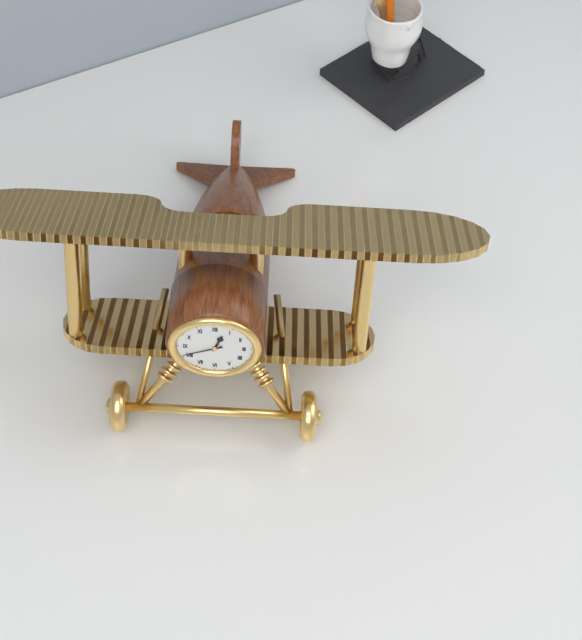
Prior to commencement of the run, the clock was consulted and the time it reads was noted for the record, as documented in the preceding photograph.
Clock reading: 12:41
